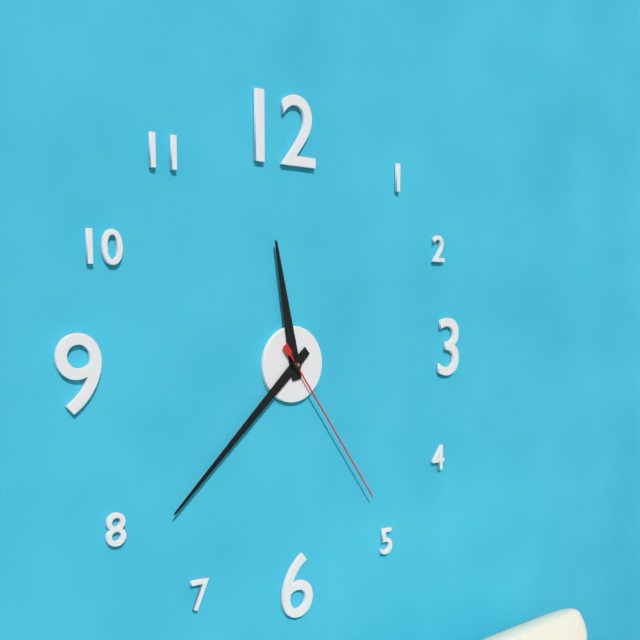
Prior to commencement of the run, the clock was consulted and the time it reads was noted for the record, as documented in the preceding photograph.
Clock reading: 11:38:24
